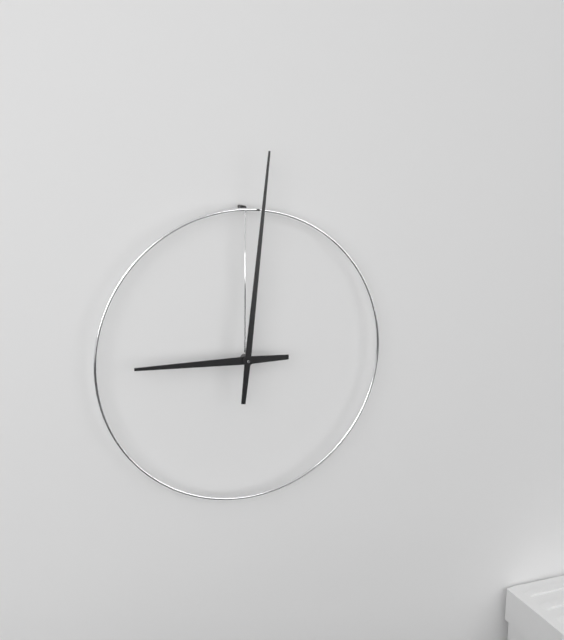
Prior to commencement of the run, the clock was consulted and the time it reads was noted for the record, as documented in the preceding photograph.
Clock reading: 9:01
